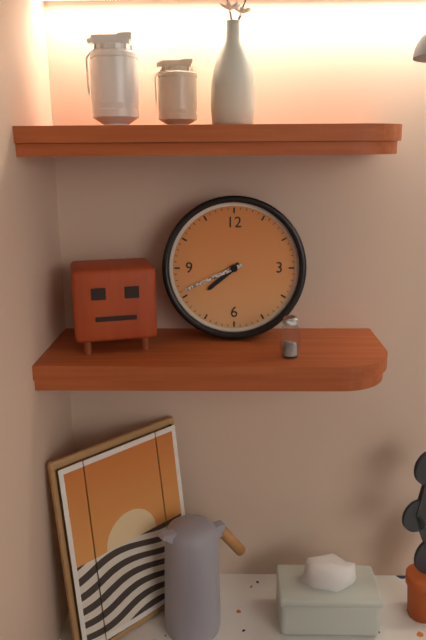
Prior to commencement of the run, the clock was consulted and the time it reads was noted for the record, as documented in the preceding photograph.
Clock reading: 7:41
